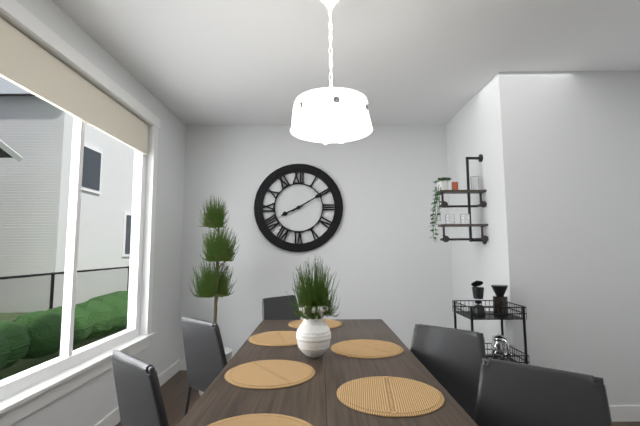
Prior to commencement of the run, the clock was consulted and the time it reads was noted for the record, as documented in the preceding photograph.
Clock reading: 8:10
